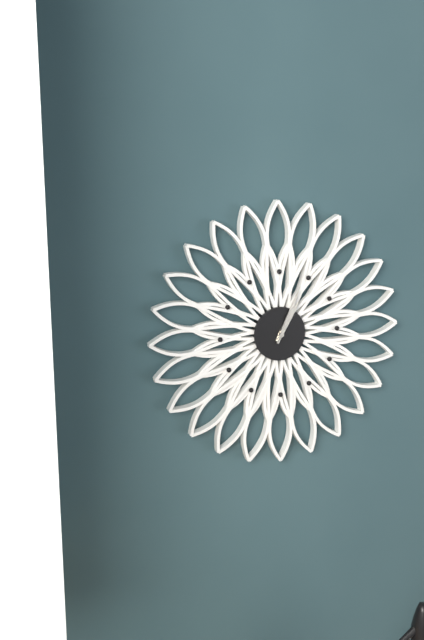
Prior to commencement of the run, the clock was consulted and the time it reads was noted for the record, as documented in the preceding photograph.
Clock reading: 1:04
